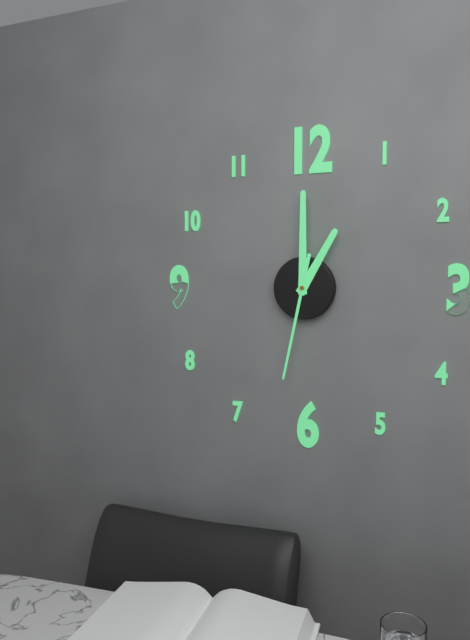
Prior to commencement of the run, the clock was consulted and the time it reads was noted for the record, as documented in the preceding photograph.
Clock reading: 1:00:32
